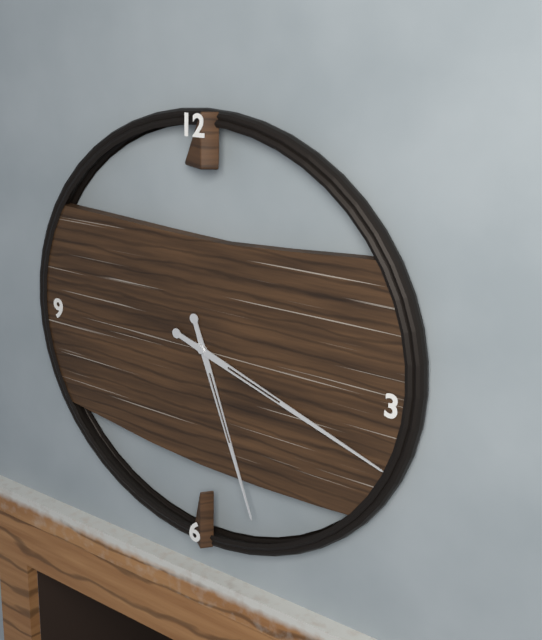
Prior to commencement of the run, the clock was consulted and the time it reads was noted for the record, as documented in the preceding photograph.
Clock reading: 5:18
